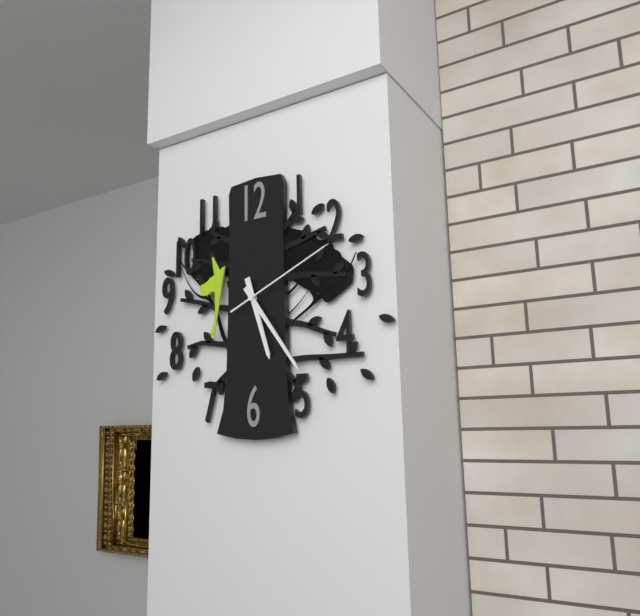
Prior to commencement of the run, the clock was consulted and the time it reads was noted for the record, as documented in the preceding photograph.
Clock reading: 5:24:11
